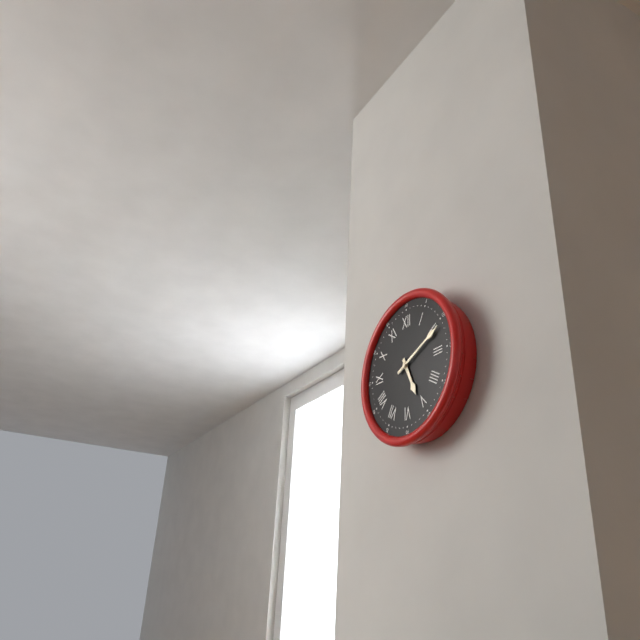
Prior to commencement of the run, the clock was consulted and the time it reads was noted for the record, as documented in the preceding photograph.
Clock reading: 5:11
